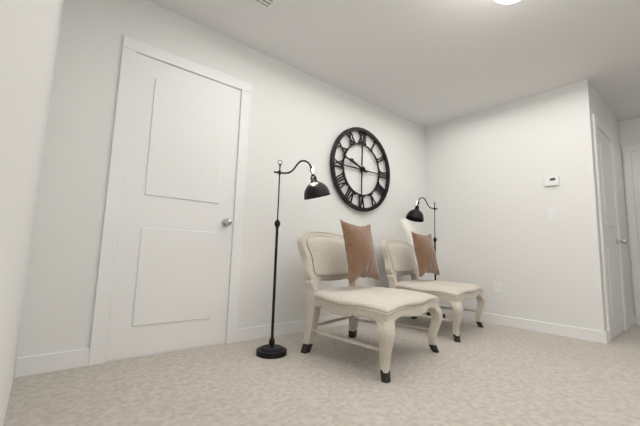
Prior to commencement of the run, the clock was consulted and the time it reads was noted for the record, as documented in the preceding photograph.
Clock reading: 9:48
